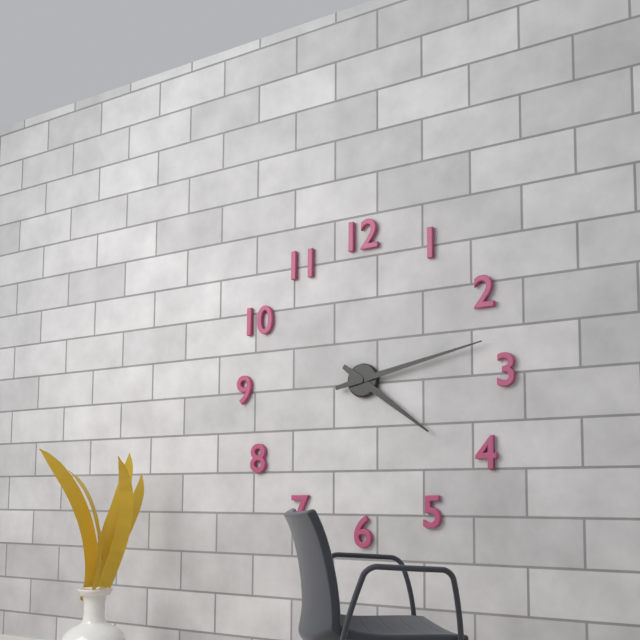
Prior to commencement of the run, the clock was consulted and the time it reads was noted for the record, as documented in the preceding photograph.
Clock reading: 4:13
